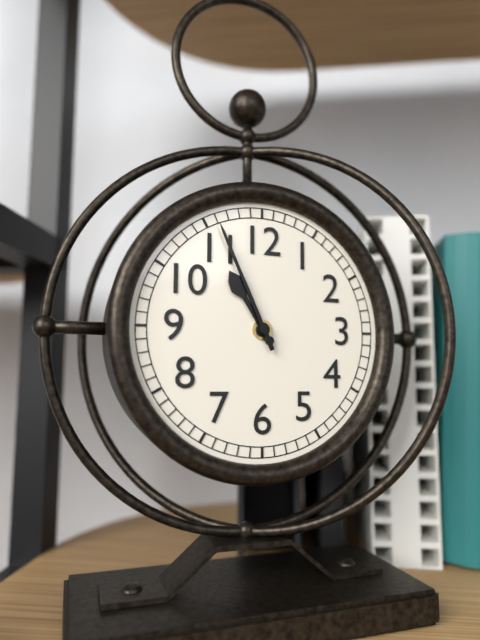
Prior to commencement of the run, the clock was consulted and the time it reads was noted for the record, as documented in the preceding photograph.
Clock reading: 10:56
